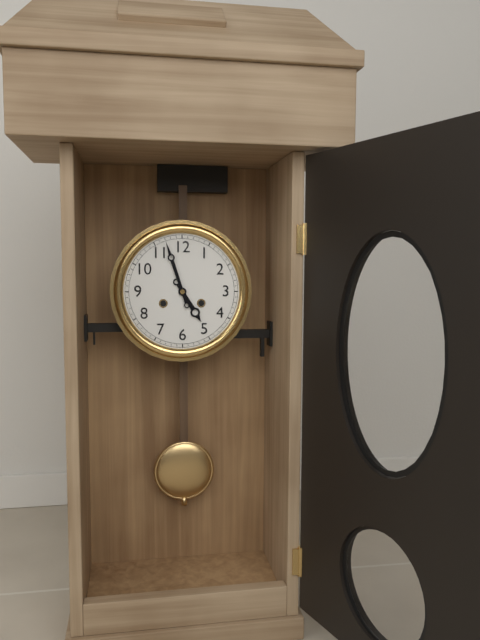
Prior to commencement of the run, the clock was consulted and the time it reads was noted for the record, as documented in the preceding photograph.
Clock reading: 4:57
